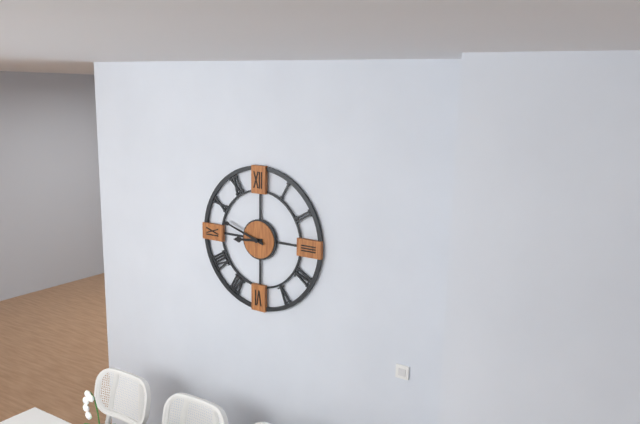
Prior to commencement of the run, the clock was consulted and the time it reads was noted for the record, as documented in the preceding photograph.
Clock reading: 8:48
